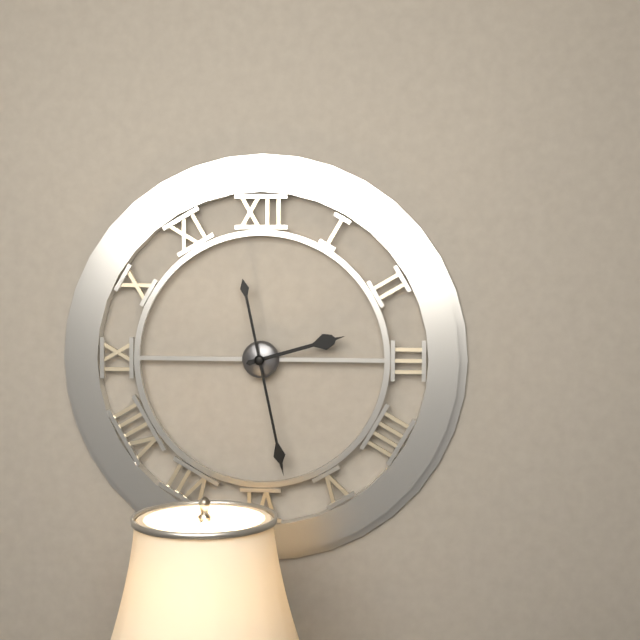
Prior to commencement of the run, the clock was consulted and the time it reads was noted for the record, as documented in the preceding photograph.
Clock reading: 2:28
